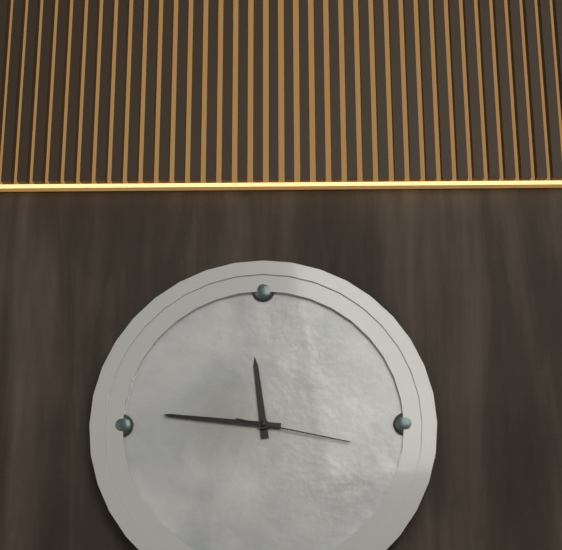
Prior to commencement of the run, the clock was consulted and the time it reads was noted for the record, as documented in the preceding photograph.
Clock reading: 11:46:17
